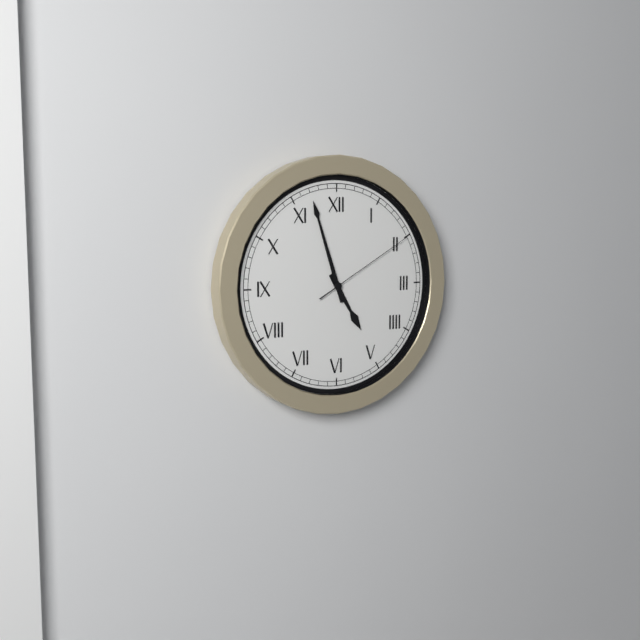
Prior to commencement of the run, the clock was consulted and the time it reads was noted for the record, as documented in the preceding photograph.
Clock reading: 4:57:10
